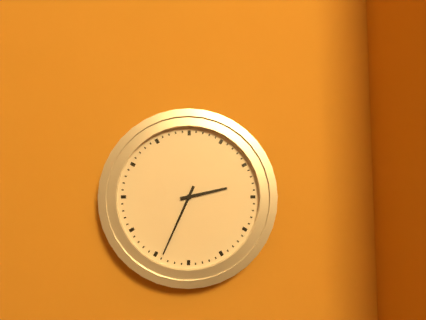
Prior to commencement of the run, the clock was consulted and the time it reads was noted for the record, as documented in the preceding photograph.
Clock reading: 2:34
